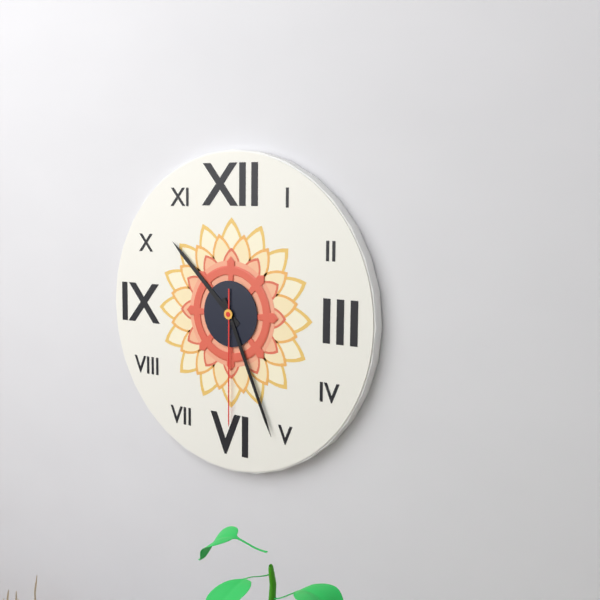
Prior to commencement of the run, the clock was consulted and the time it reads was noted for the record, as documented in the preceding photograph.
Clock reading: 10:26:30
